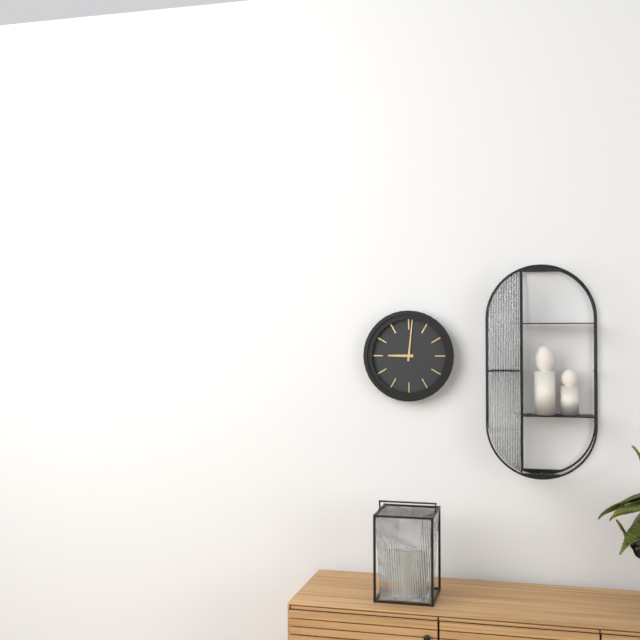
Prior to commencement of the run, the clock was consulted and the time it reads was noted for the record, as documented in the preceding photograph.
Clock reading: 9:01
